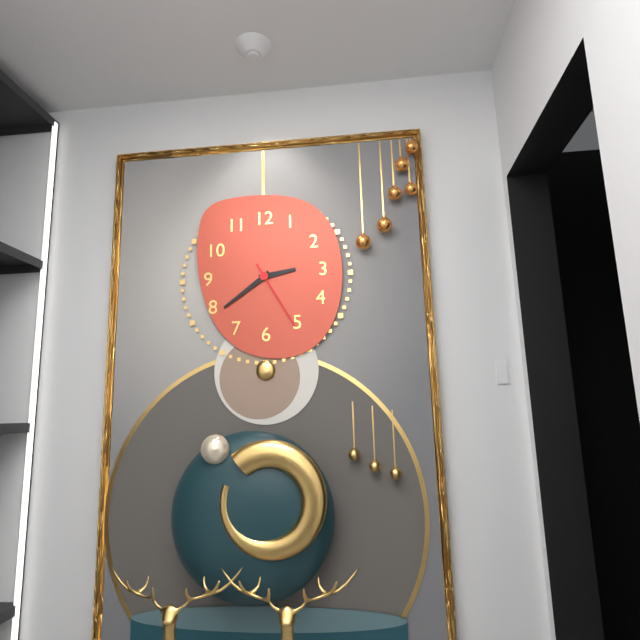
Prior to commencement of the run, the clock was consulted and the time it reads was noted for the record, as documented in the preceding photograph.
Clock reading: 2:39:25
